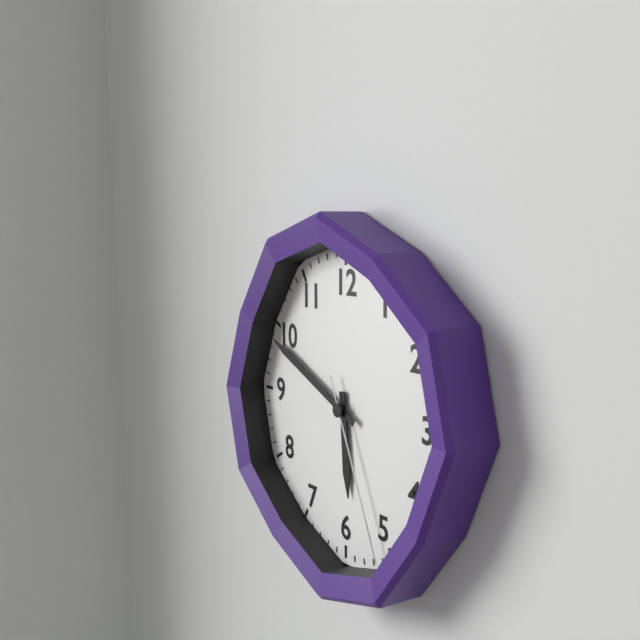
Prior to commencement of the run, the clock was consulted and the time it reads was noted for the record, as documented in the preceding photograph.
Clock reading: 5:49:26
